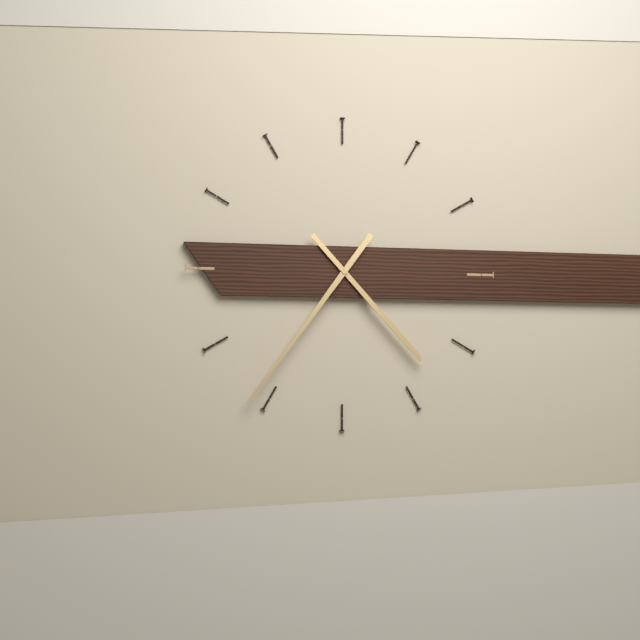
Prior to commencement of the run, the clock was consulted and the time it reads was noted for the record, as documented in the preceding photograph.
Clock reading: 4:36
